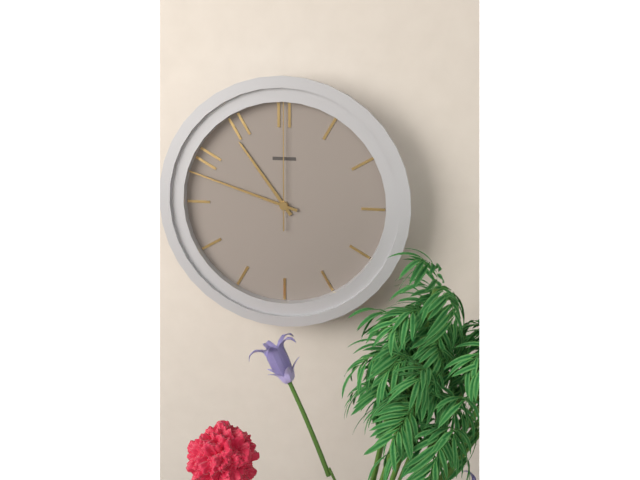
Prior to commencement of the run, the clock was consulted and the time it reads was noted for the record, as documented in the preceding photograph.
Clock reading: 10:48:00
